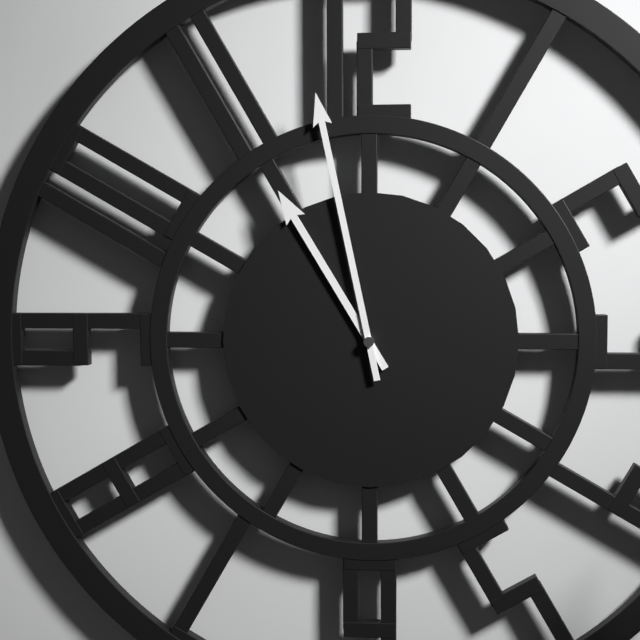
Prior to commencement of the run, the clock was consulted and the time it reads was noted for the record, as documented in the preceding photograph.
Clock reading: 10:58
